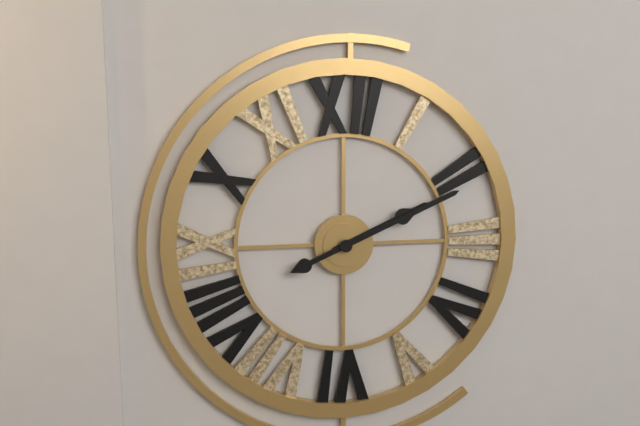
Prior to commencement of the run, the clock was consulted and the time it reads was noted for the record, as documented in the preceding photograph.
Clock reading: 2:11
